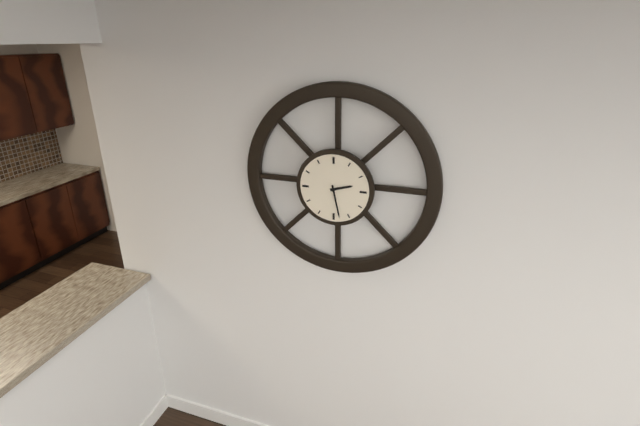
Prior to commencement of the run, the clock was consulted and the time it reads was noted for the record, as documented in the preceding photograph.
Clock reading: 2:28
